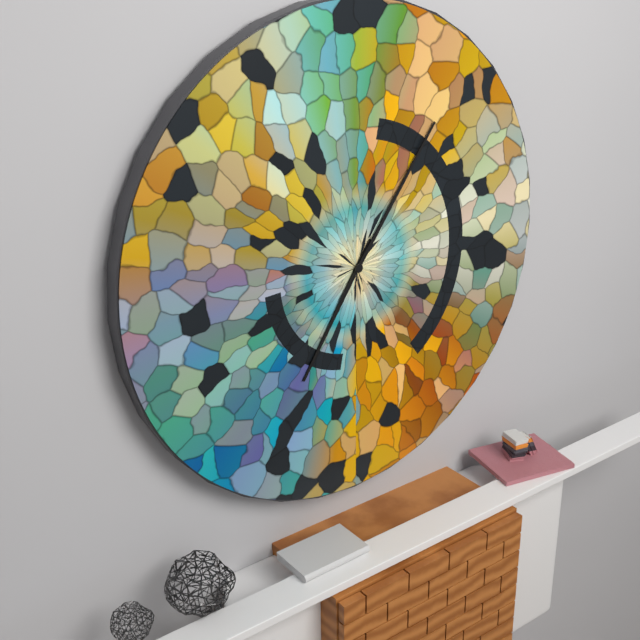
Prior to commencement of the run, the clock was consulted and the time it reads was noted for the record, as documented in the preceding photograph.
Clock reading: 7:06
